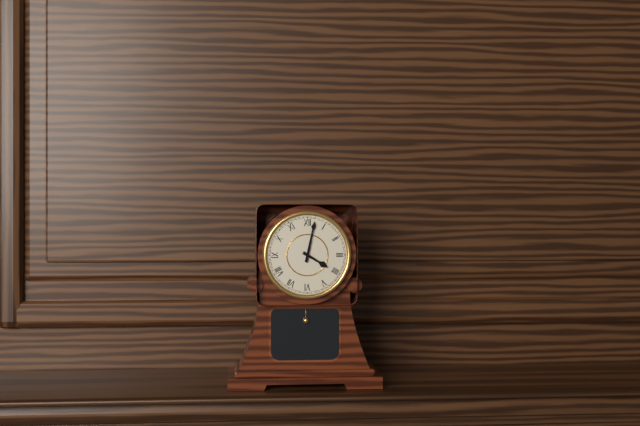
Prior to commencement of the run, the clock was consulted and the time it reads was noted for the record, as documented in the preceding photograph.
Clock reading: 4:02
